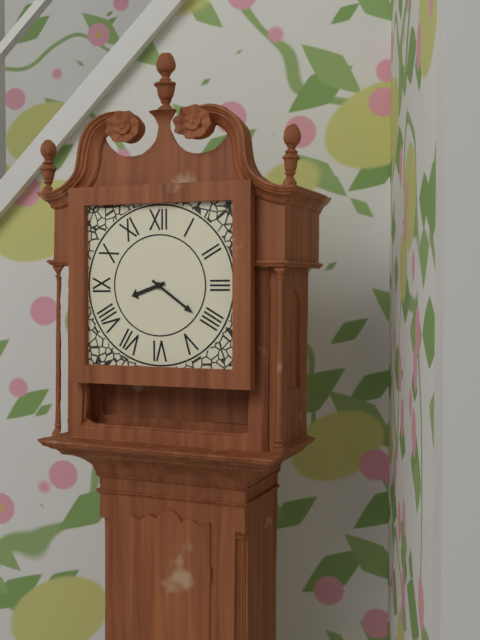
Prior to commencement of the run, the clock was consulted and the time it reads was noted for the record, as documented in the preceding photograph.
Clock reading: 8:21
